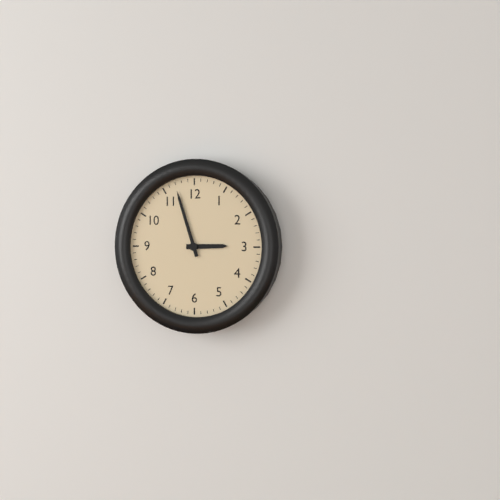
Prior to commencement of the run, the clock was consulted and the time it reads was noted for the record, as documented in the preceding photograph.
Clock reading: 2:57
